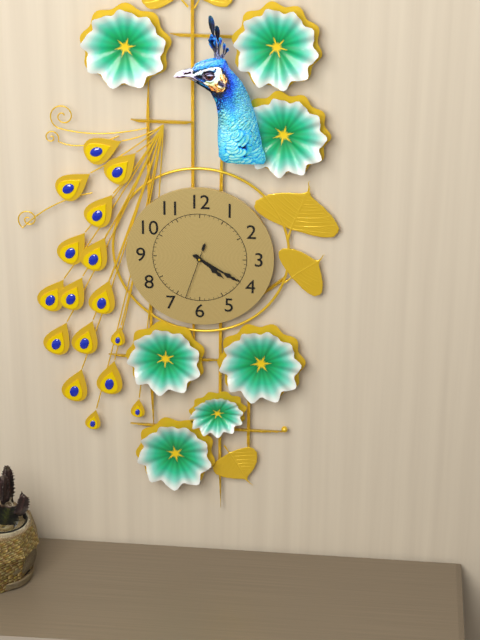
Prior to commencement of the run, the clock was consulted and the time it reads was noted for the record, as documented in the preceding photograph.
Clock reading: 4:20:33
